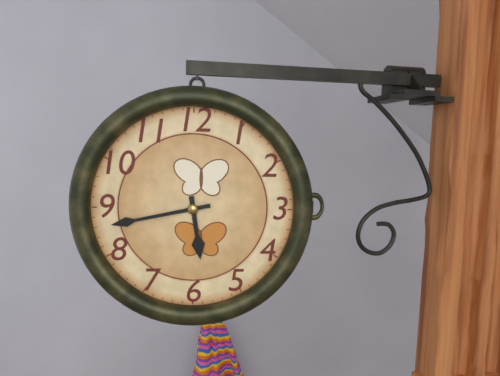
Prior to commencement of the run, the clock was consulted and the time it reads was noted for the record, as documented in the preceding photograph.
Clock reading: 5:43
